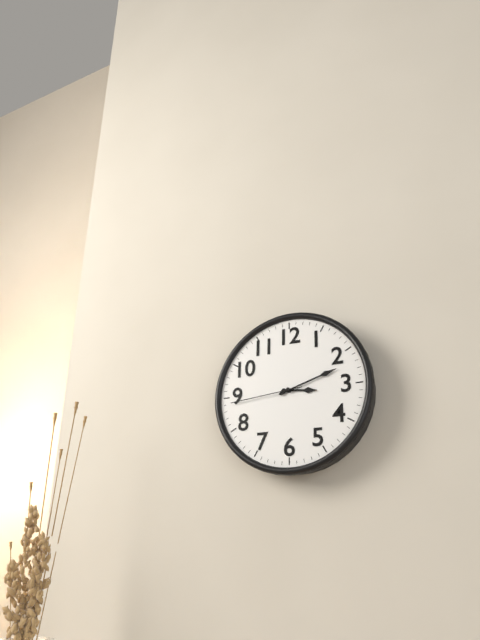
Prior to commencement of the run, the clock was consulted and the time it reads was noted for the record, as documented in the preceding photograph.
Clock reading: 3:12:44
